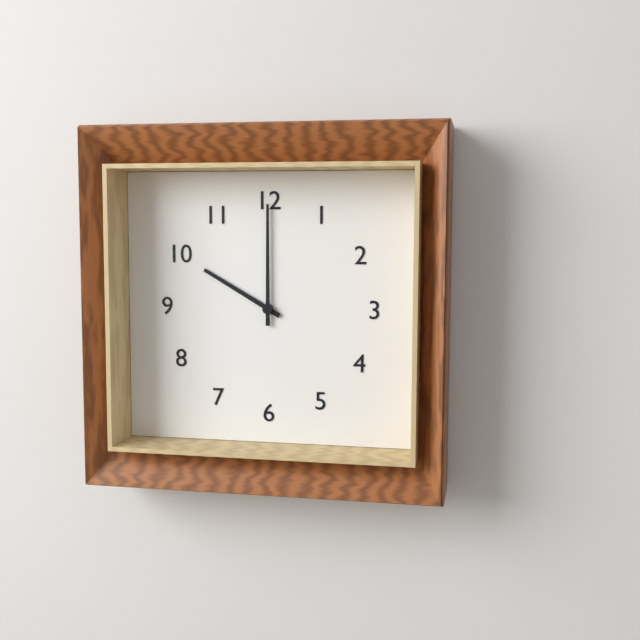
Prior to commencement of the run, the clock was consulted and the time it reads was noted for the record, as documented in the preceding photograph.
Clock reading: 10:00
